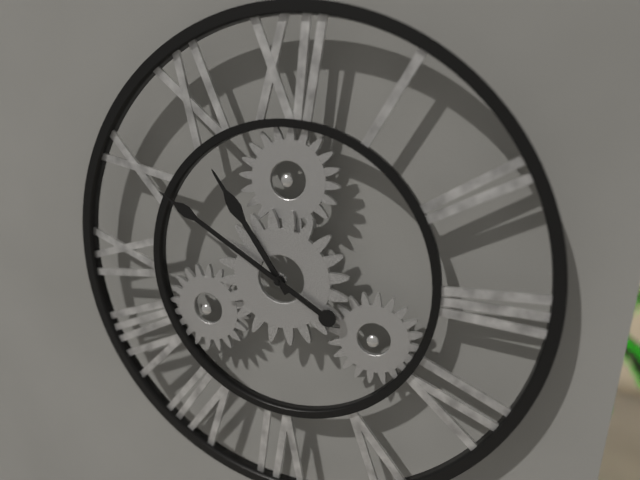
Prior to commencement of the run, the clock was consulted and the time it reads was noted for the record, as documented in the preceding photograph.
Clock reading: 10:50
